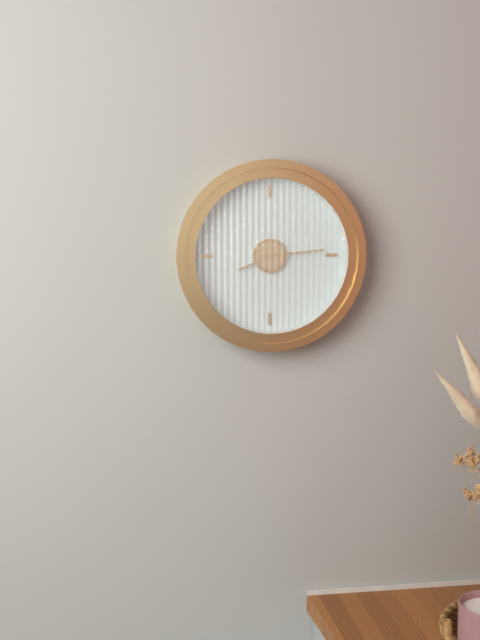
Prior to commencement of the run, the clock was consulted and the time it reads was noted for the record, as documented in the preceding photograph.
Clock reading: 8:14
